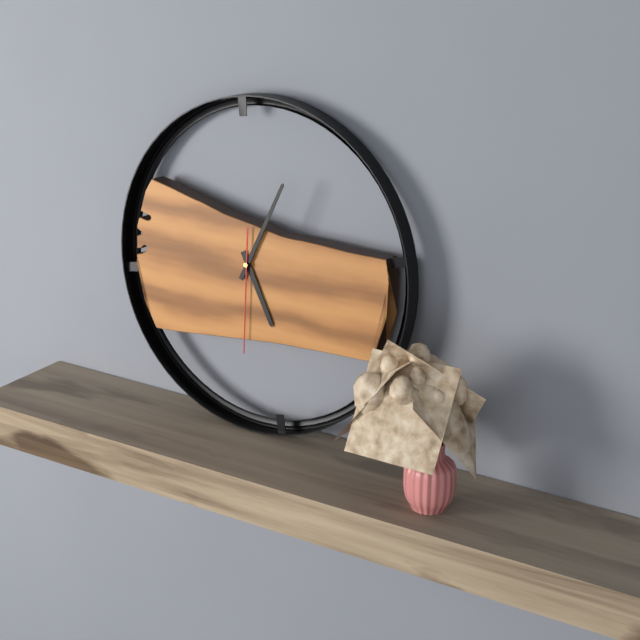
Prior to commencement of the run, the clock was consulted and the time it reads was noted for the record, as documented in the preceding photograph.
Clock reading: 5:04:30
